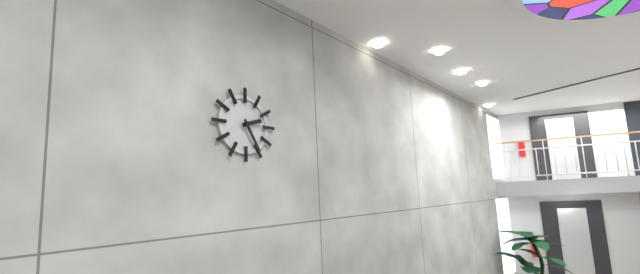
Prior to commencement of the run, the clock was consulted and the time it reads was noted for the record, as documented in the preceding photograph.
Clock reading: 2:25
